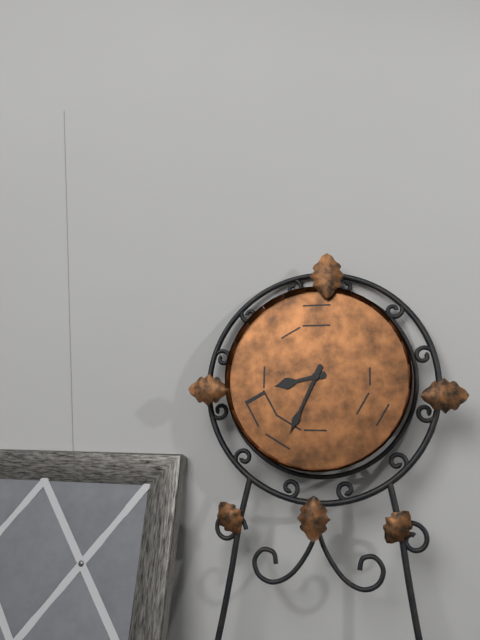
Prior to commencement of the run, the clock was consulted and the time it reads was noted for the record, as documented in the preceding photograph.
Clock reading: 8:34
